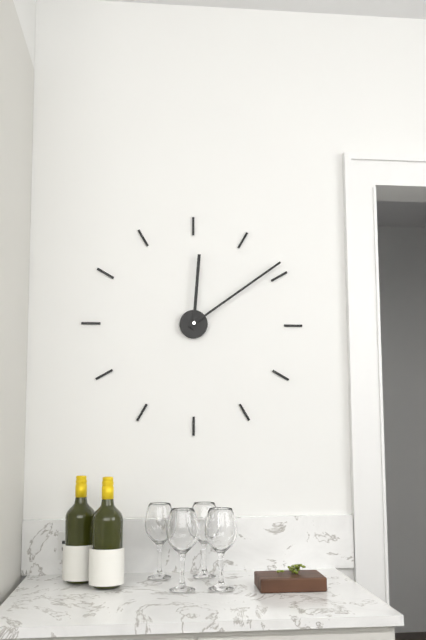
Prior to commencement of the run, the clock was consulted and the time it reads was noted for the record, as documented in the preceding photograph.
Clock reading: 12:09
